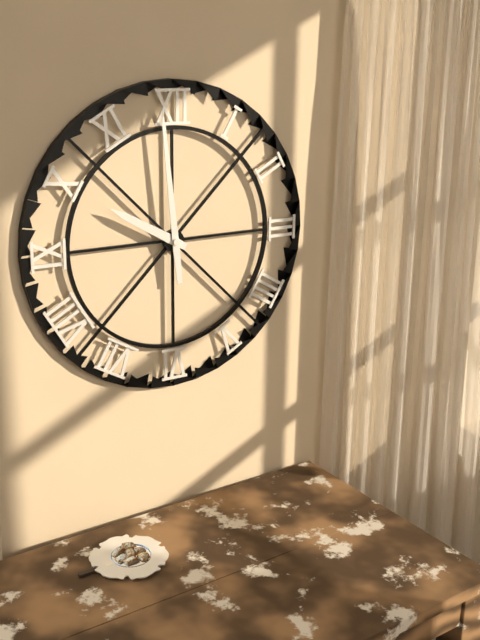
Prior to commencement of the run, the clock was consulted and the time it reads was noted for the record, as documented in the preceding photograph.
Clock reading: 9:59
